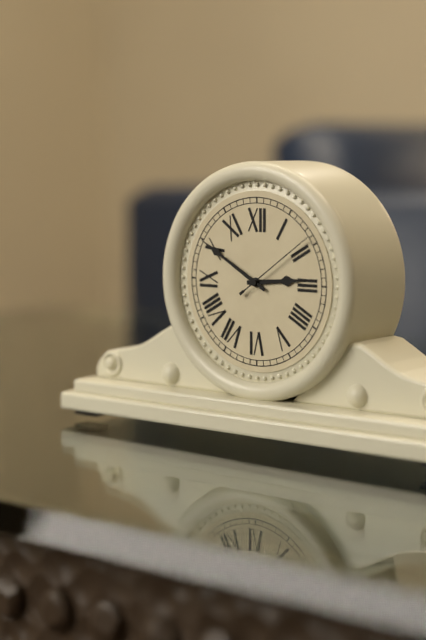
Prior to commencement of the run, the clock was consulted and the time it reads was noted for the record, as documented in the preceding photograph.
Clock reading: 2:50:09
